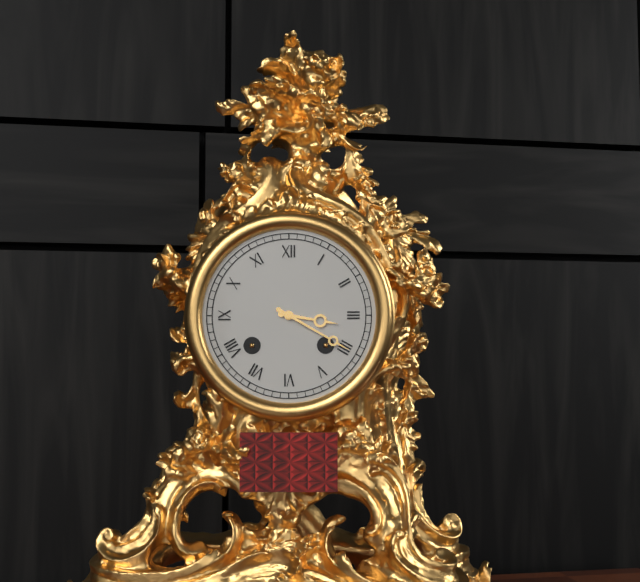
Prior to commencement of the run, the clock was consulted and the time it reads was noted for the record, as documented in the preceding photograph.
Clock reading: 3:20
